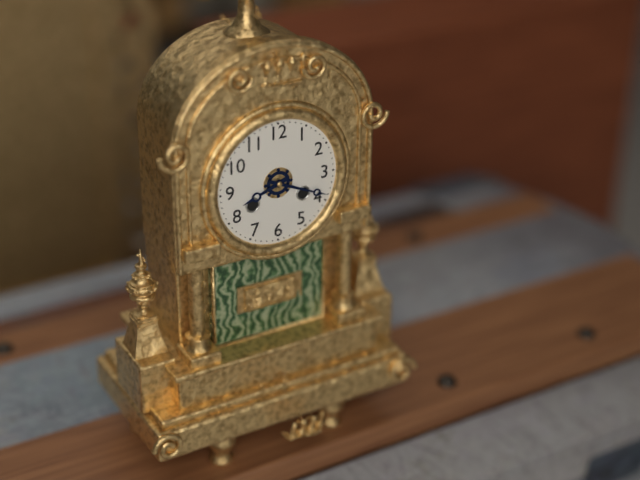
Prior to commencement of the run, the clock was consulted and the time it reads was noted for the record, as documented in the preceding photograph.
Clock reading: 8:19
